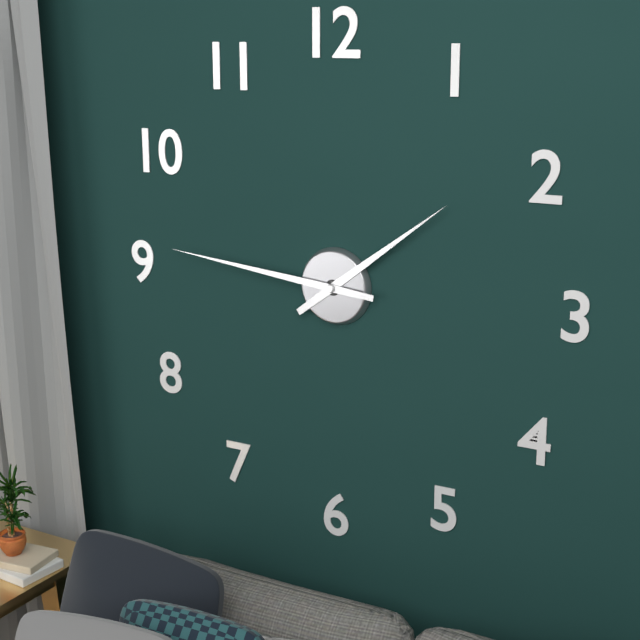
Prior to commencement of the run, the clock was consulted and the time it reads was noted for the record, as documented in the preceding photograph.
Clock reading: 1:46
